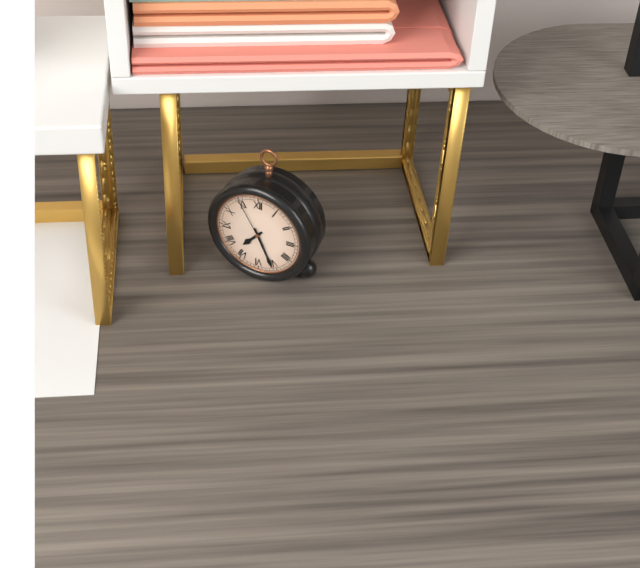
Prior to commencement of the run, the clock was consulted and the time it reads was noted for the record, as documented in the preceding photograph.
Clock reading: 7:26:55
